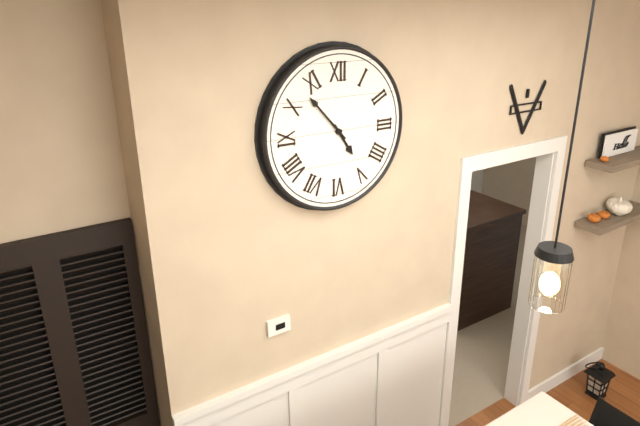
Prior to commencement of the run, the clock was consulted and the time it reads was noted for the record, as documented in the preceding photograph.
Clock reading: 4:53
